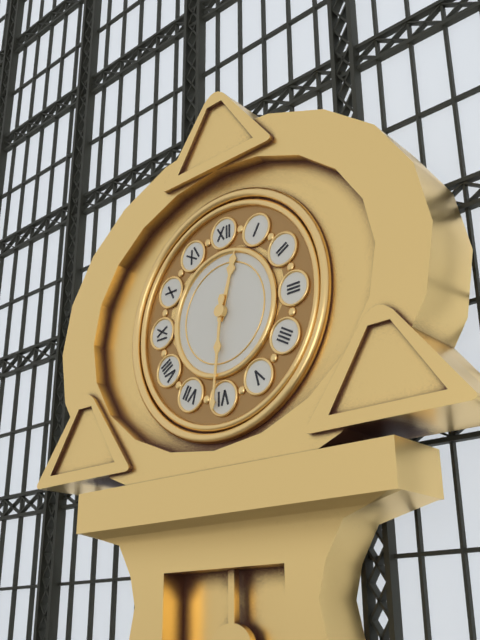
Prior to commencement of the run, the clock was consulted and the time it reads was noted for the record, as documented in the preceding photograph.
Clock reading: 12:31
